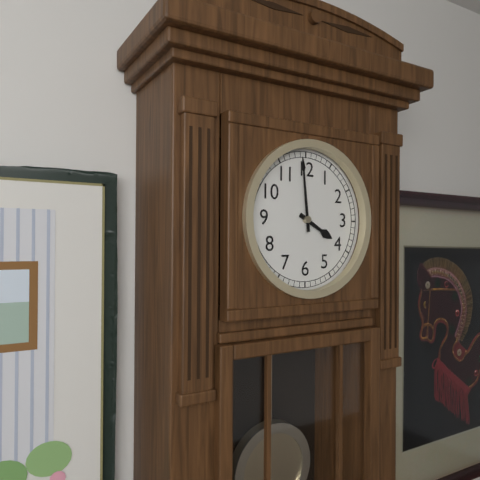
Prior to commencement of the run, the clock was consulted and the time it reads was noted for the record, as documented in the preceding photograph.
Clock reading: 3:59
